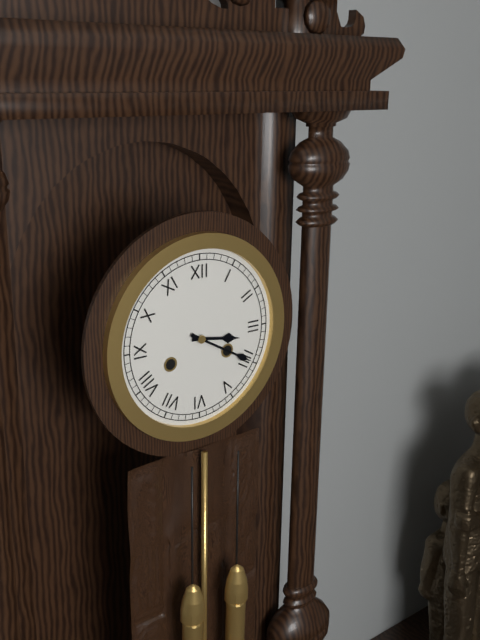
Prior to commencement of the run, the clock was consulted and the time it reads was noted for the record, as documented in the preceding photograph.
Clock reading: 3:20
